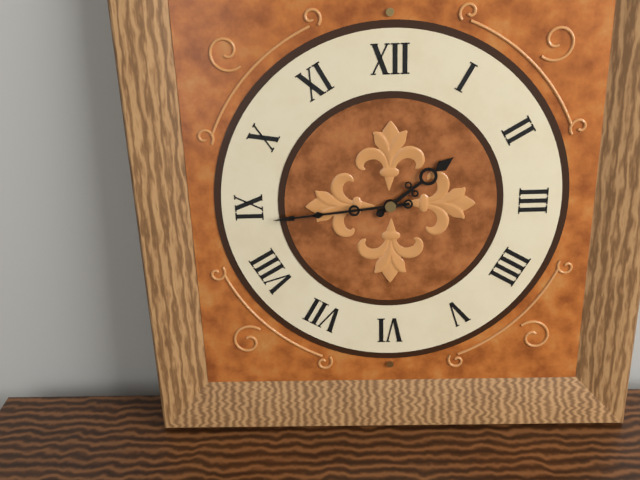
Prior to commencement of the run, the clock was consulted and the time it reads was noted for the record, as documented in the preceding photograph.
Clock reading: 1:44
